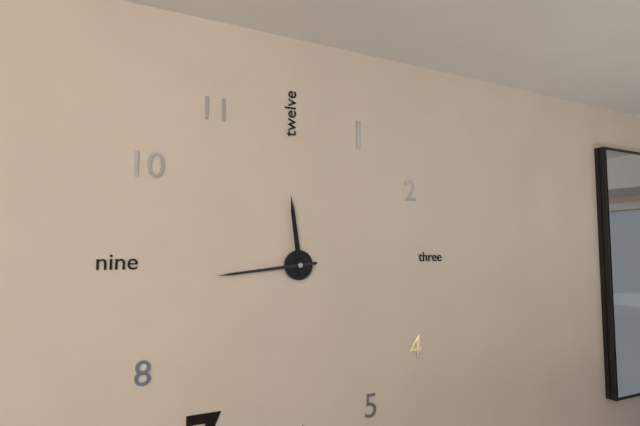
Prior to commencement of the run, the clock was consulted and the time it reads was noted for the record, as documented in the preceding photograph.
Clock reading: 11:44
